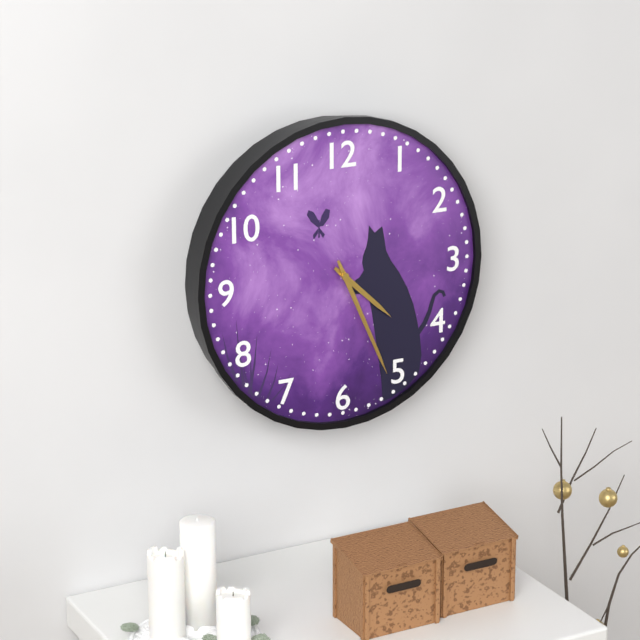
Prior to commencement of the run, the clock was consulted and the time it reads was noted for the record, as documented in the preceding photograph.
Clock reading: 4:26
